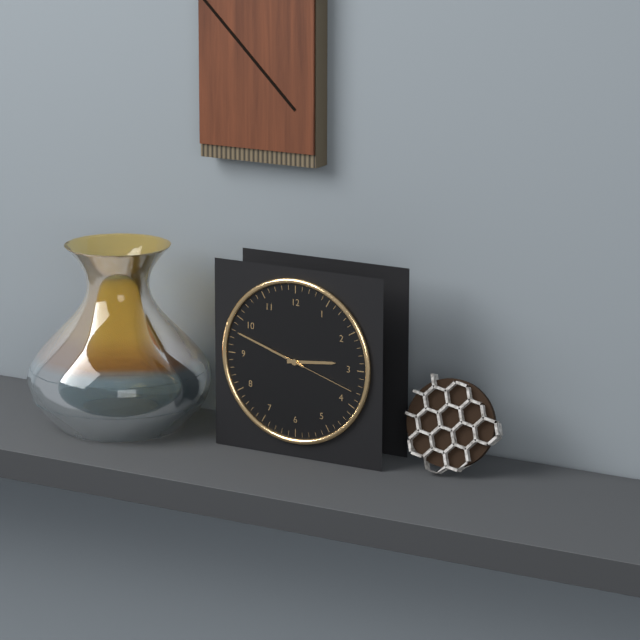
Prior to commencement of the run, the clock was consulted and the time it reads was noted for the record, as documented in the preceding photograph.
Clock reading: 2:48:18
